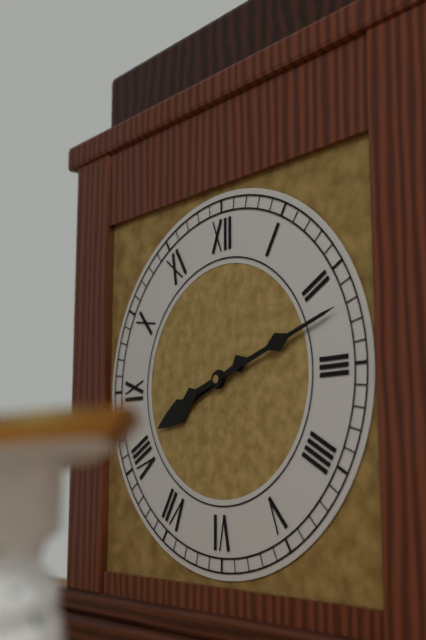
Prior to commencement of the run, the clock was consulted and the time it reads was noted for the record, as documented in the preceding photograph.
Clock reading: 8:12
